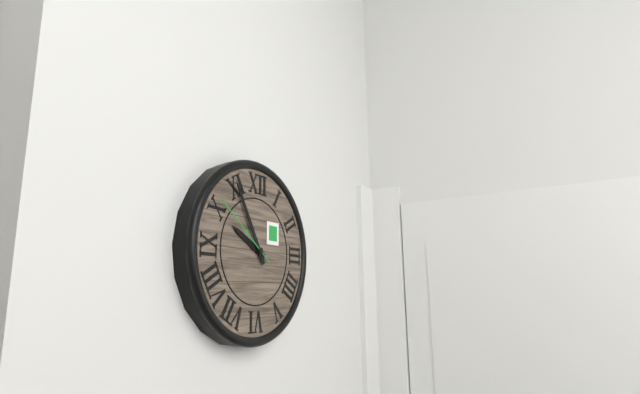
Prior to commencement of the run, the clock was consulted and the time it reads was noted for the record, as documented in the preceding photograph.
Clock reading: 9:55:51
